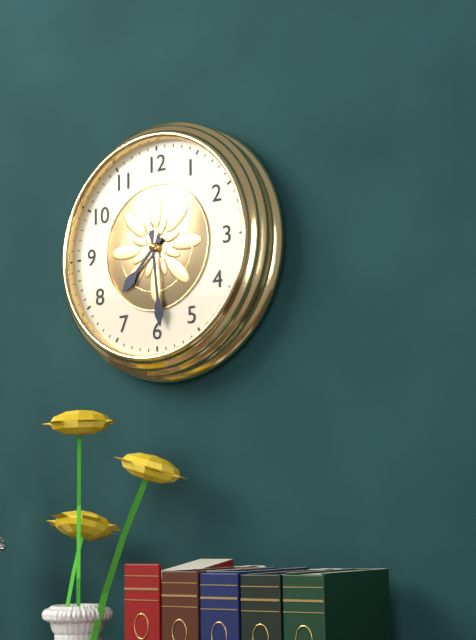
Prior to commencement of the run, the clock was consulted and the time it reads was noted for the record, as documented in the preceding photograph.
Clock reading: 7:29
